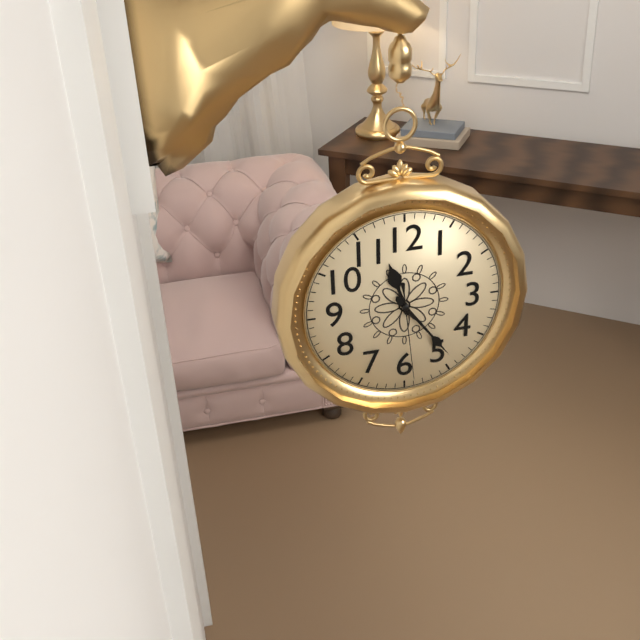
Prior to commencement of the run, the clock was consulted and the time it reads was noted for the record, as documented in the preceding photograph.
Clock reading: 11:24:29
